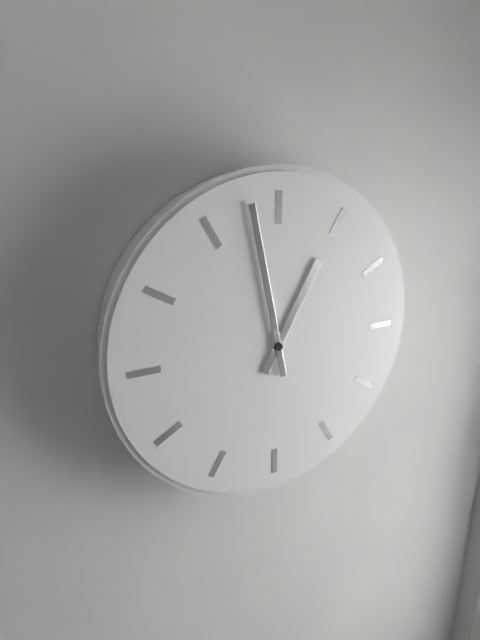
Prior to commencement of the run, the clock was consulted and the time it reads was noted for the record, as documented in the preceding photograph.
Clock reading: 12:58
